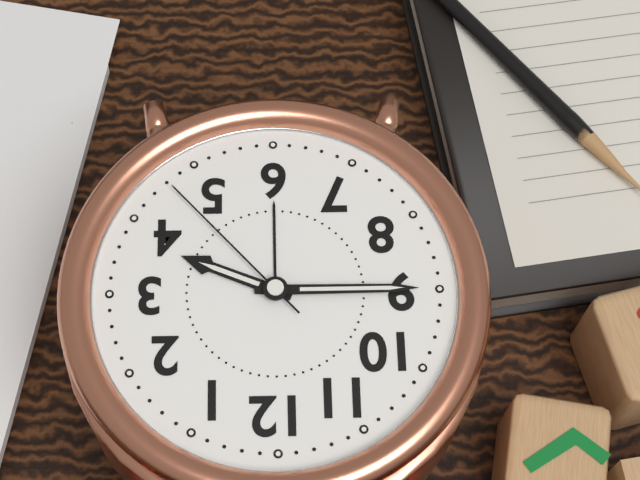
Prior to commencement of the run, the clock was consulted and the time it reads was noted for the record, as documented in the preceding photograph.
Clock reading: 3:45:23
